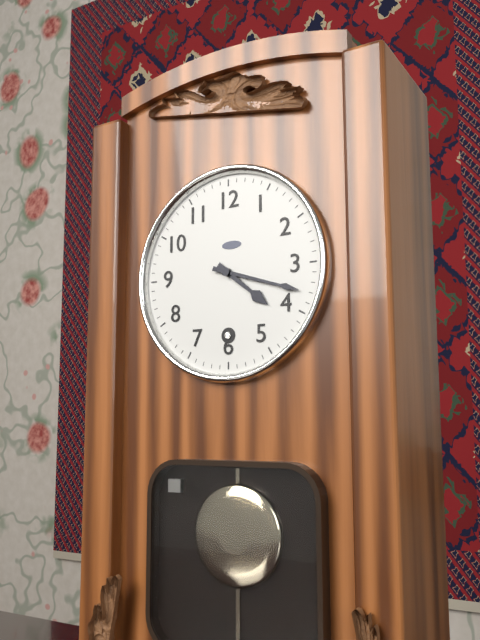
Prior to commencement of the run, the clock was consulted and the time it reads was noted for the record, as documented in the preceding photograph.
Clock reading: 4:18
